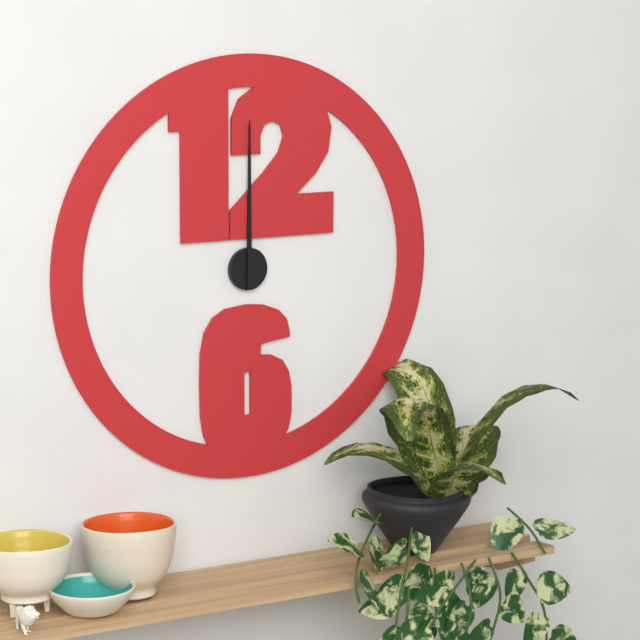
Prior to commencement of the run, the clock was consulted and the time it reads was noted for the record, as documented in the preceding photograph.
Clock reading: 12:00
